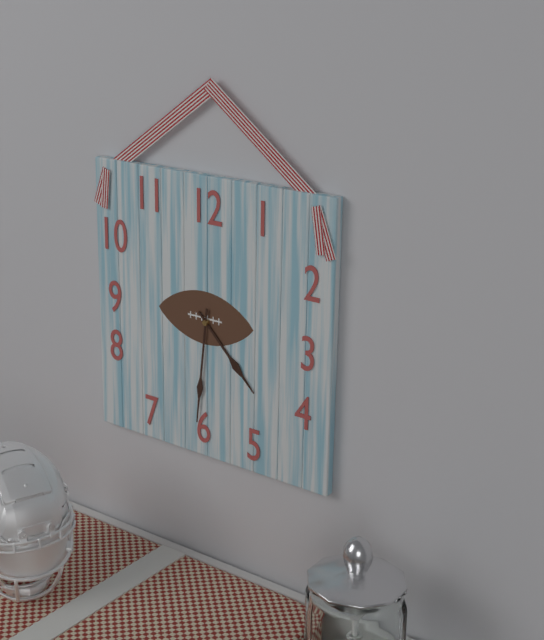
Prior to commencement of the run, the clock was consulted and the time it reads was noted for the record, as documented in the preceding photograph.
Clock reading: 4:31
